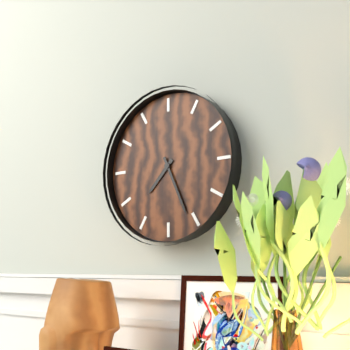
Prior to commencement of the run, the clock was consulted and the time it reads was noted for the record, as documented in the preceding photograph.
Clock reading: 7:26
